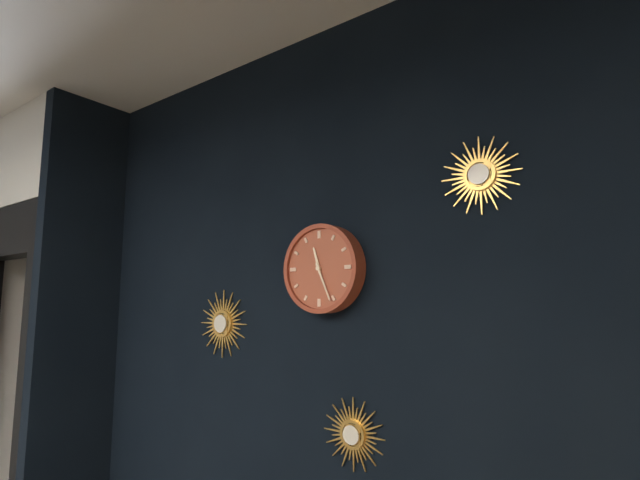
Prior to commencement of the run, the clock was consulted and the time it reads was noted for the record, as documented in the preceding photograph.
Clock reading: 11:26
